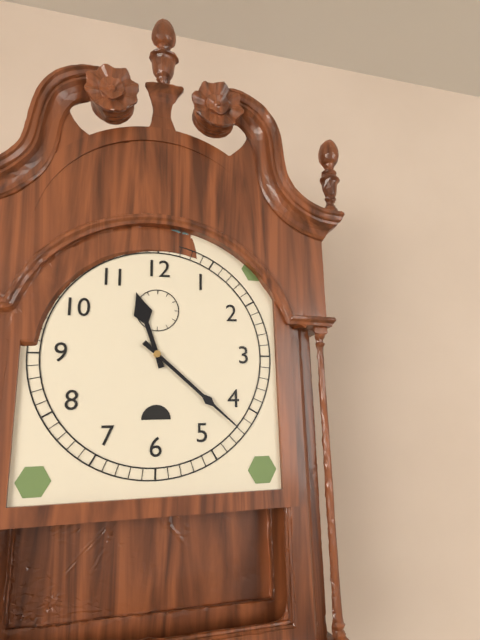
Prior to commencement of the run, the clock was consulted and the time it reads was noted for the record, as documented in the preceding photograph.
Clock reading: 11:22
